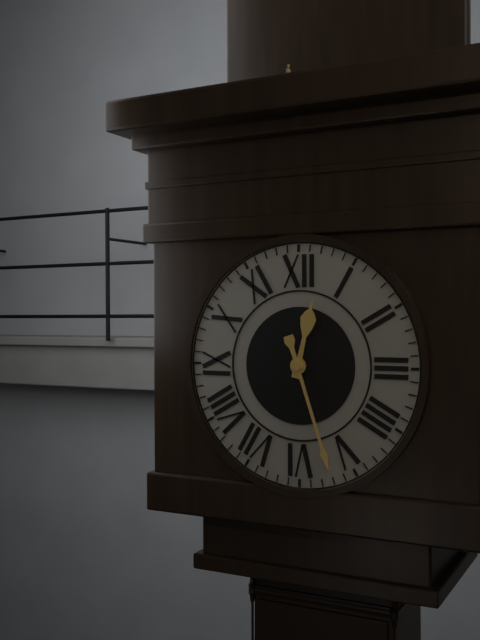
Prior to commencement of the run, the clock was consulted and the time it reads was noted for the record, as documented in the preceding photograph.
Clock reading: 12:27
